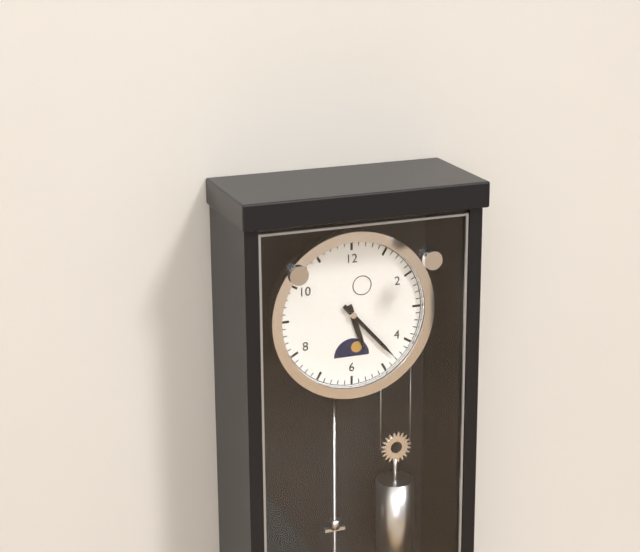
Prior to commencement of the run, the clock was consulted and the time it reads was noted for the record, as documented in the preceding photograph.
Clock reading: 5:23
